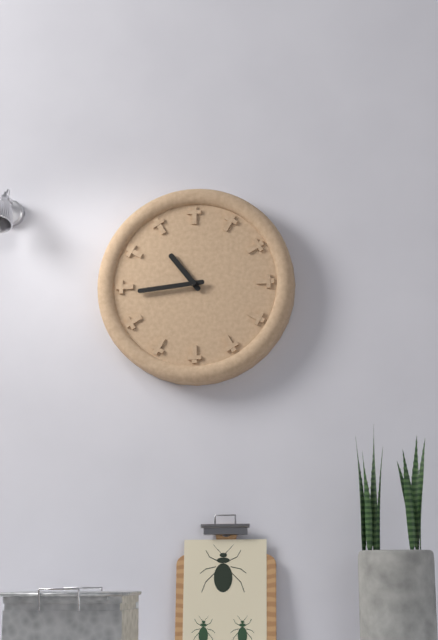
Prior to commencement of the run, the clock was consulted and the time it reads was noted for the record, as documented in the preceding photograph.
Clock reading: 10:44
